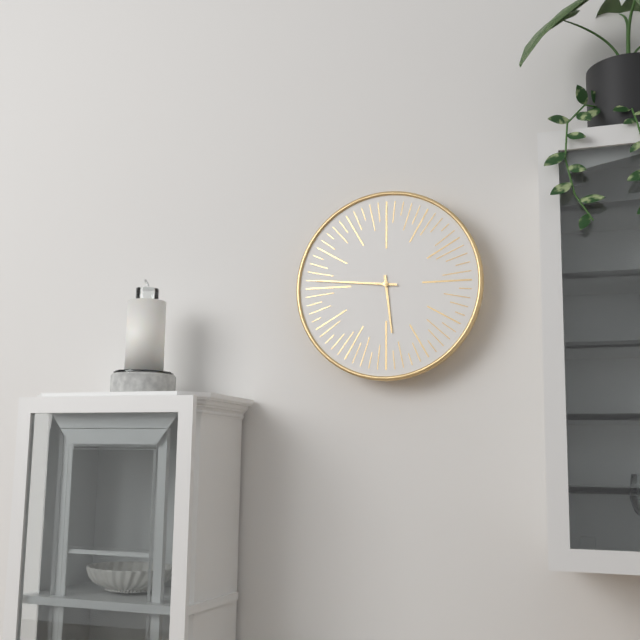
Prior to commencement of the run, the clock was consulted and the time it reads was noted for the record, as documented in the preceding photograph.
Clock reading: 5:46
